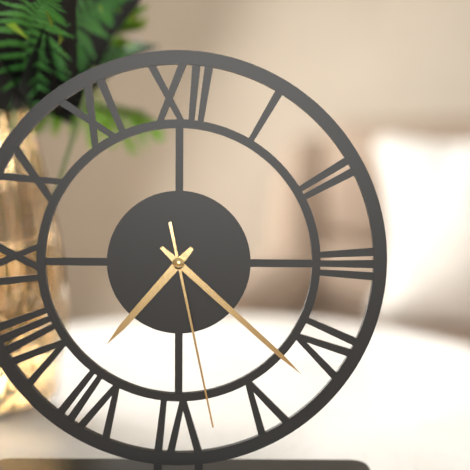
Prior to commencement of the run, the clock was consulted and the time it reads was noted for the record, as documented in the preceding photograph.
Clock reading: 7:22:28
